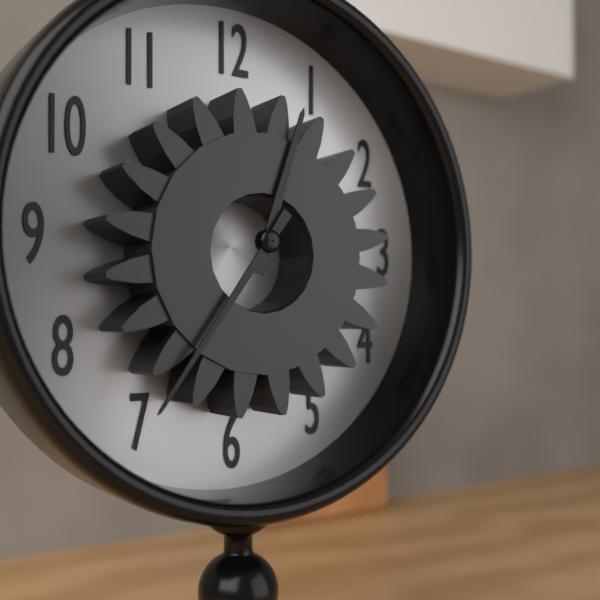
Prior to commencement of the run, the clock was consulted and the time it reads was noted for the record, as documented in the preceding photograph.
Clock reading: 12:36
